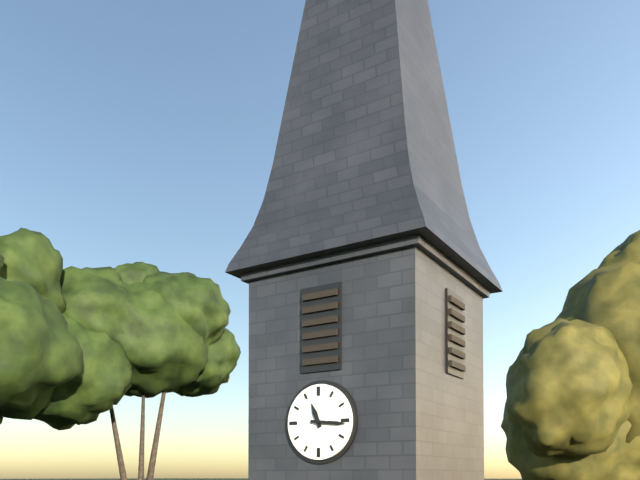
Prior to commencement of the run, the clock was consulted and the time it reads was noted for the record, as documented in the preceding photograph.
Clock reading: 11:16
